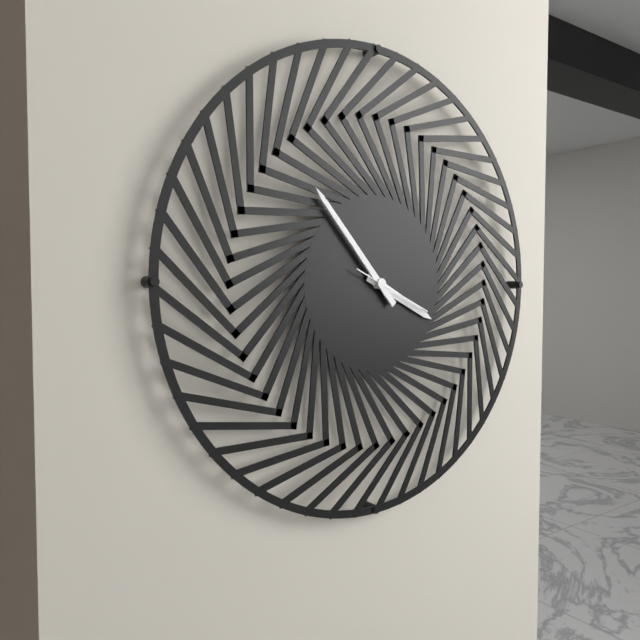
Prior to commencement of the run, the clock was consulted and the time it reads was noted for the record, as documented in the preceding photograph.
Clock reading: 3:53:19
